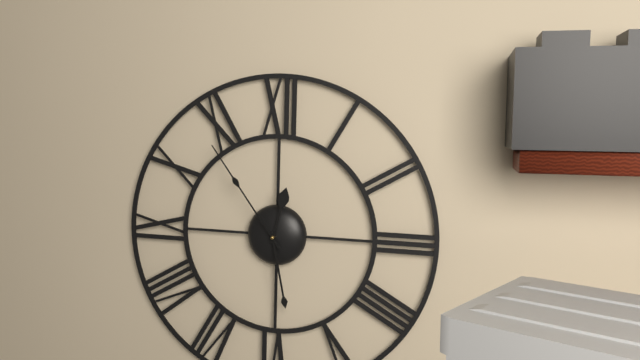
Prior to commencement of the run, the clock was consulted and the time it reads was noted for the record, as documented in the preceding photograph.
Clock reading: 12:28:54
